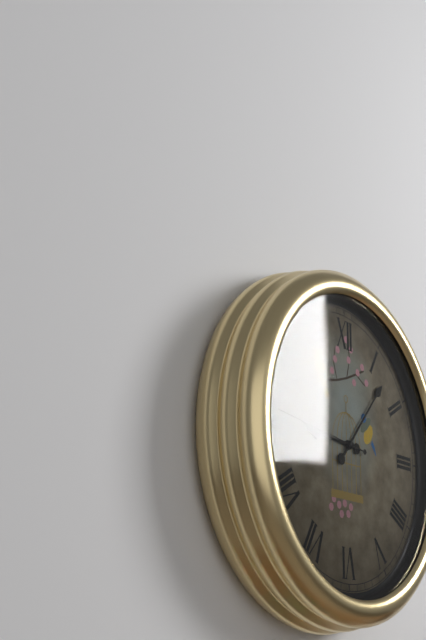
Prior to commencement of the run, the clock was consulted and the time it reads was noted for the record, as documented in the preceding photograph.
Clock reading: 9:07:46
